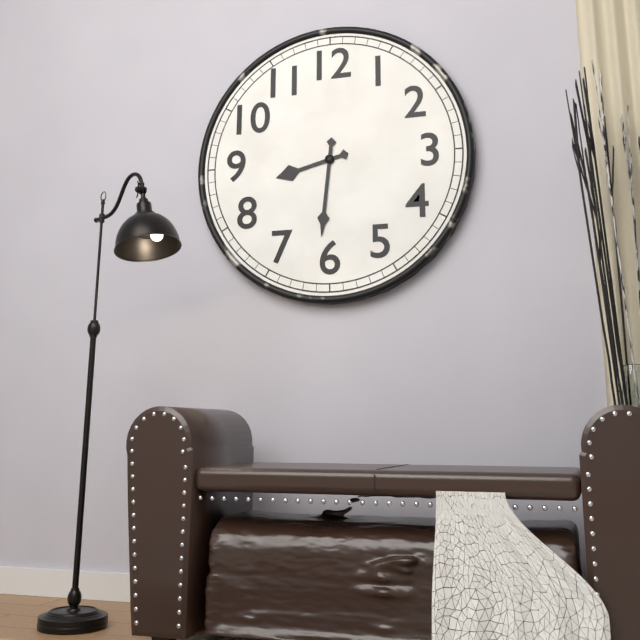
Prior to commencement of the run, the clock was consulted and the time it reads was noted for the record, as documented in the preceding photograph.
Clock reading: 8:31
